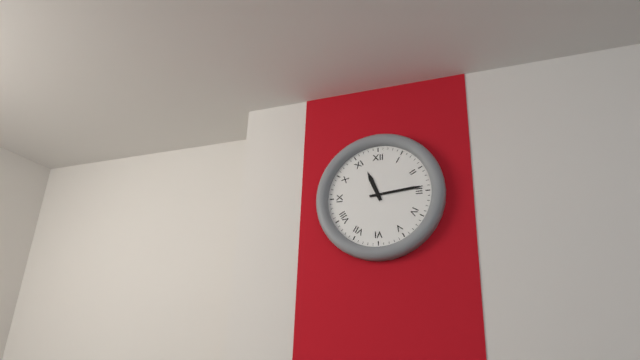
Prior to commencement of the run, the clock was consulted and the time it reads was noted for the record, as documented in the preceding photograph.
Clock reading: 11:14
